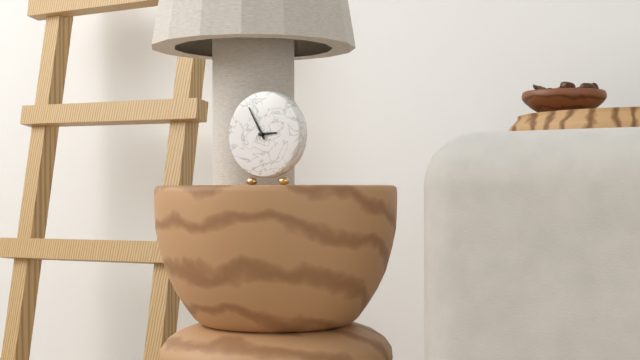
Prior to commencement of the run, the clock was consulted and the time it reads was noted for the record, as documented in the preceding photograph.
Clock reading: 2:55
